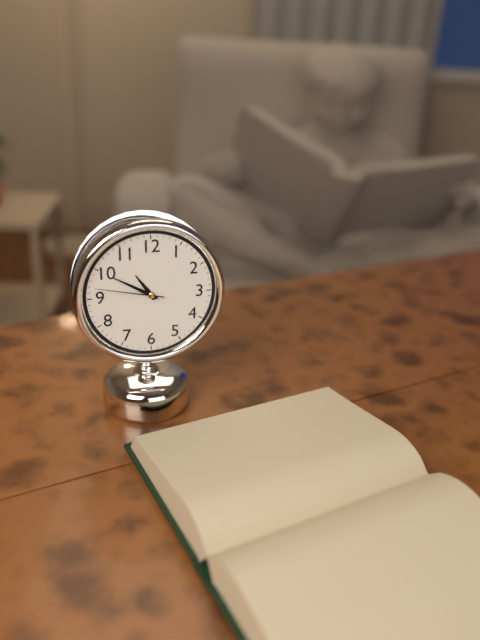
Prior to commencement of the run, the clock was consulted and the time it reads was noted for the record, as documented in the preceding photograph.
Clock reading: 10:50:47
